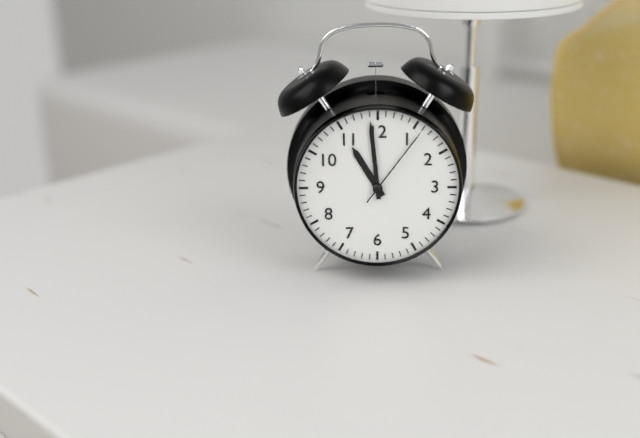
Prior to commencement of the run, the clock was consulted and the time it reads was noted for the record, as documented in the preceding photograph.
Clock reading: 10:59:06
